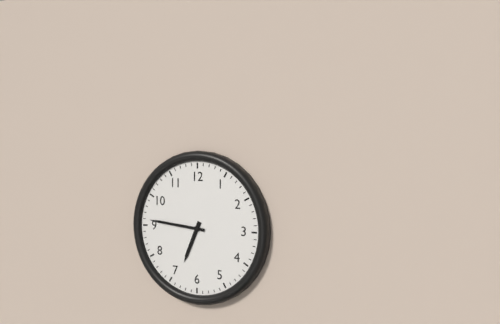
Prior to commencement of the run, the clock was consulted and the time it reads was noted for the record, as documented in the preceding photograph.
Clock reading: 6:46
